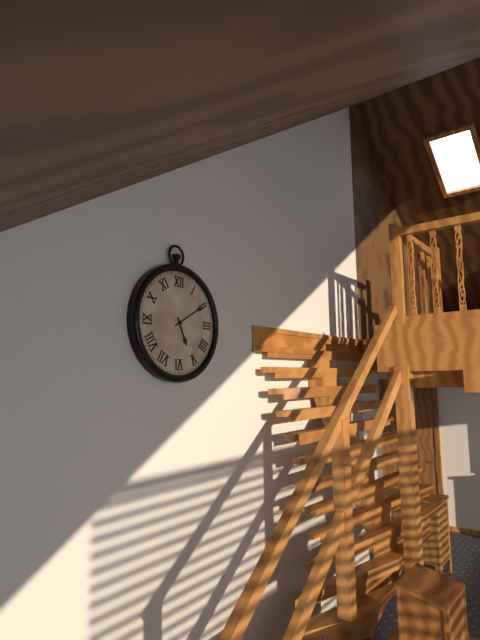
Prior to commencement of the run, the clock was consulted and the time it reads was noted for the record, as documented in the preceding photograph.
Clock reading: 5:10
